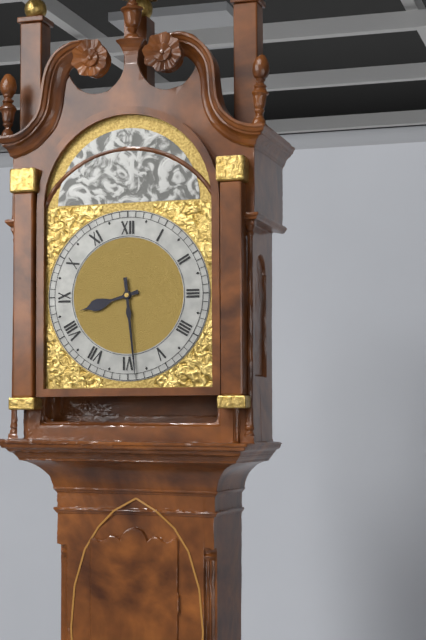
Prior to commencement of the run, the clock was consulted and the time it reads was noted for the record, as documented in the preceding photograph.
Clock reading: 8:29
